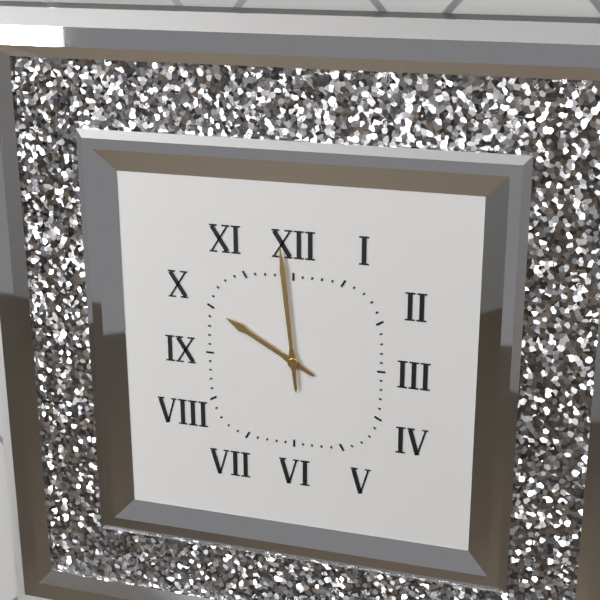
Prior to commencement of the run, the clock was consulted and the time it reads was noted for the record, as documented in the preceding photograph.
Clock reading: 9:59
